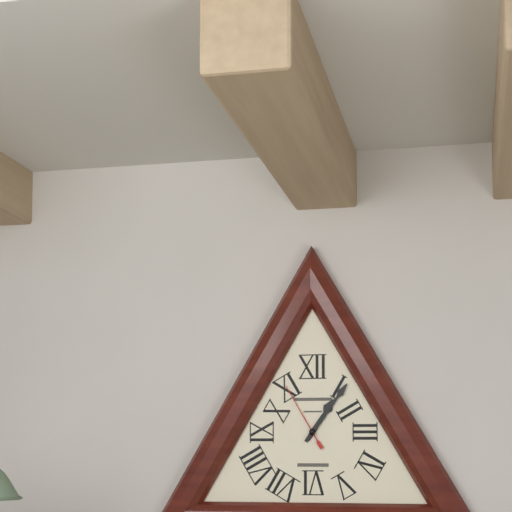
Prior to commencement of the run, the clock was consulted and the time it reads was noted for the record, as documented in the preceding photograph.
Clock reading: 1:06:55
